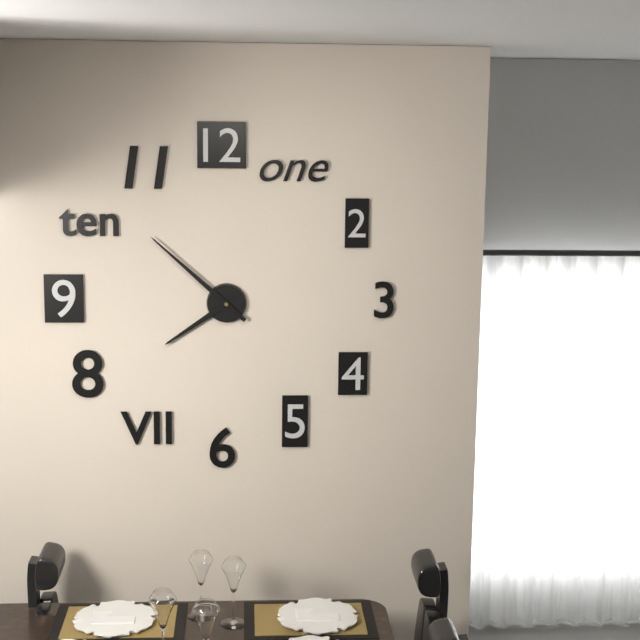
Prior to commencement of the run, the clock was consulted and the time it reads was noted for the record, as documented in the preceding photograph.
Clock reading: 7:52
